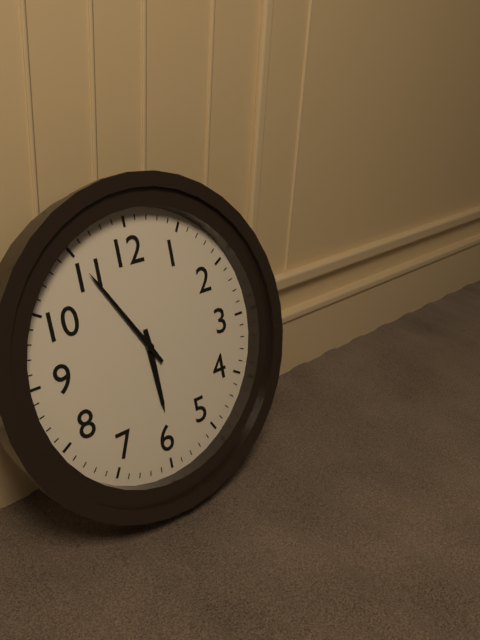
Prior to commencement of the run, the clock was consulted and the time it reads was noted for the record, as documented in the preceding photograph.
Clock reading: 5:55
